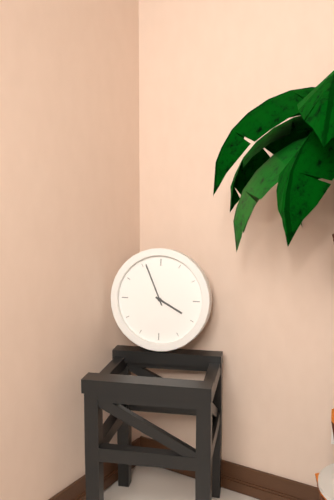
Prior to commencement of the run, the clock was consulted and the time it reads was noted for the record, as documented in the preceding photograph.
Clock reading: 3:56
